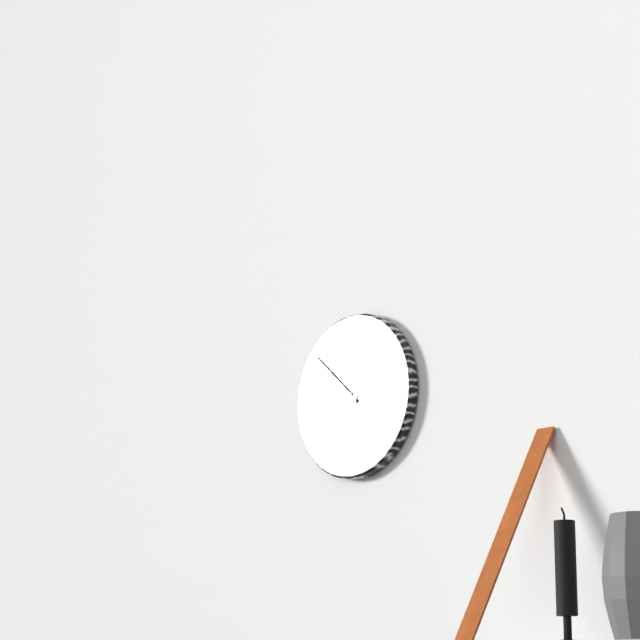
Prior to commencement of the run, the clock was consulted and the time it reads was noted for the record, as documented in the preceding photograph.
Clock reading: 9:52
